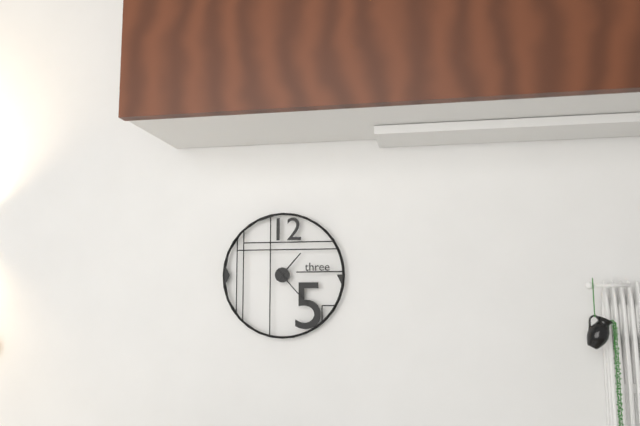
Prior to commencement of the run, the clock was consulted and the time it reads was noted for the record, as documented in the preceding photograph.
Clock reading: 1:23
